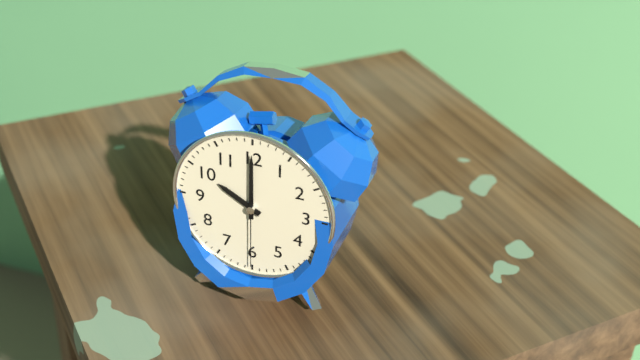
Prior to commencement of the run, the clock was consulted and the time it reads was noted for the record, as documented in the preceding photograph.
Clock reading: 10:00:30
